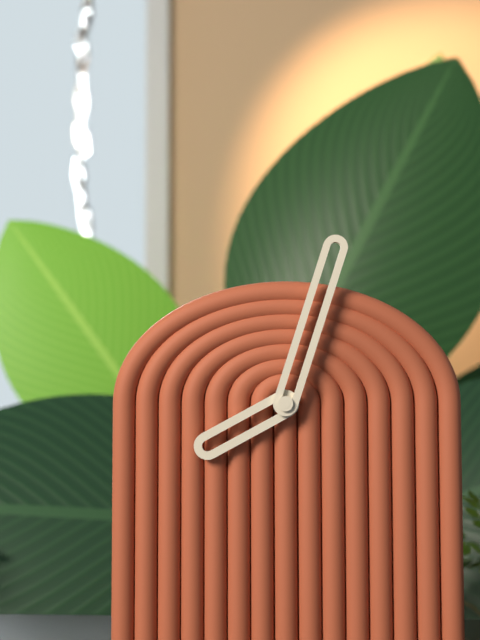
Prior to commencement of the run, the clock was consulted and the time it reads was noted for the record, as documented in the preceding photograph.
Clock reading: 8:03
